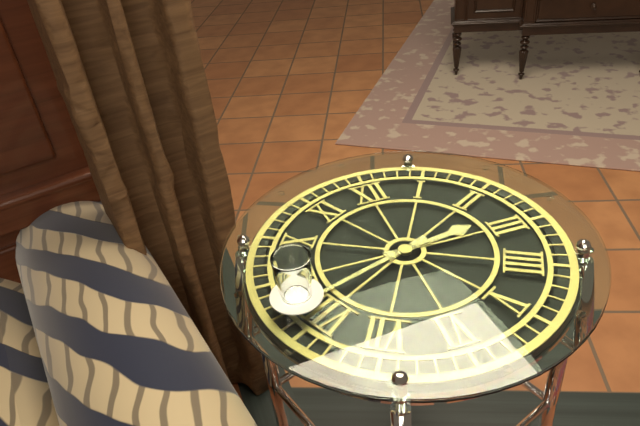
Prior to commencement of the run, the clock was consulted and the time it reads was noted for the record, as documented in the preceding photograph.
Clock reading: 2:42
